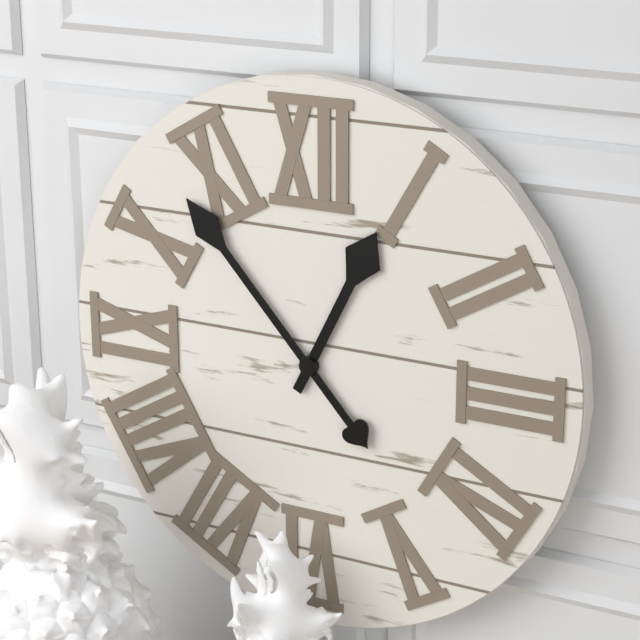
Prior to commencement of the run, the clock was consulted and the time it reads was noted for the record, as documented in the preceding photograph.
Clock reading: 12:53
